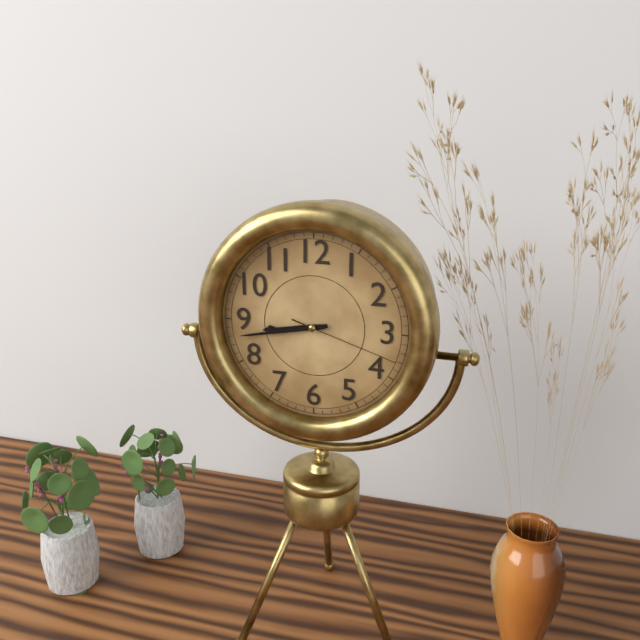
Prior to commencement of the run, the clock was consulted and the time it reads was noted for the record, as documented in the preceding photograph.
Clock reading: 8:43:18
